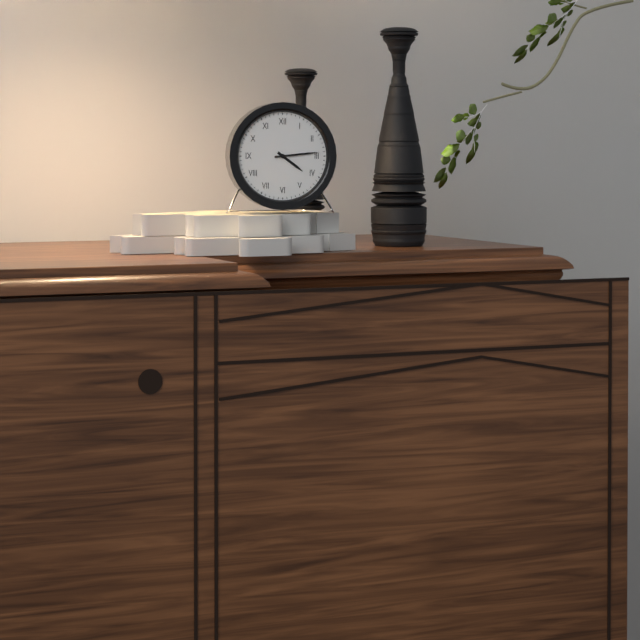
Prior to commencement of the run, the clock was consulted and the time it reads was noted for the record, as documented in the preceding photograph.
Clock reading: 4:14
